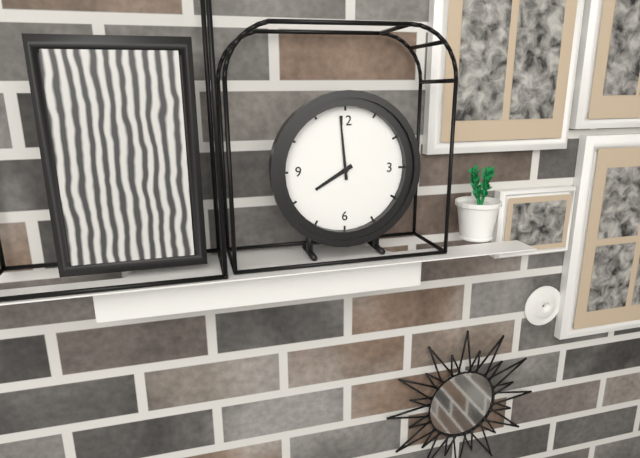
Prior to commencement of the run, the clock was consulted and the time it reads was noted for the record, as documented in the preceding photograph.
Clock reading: 7:59
